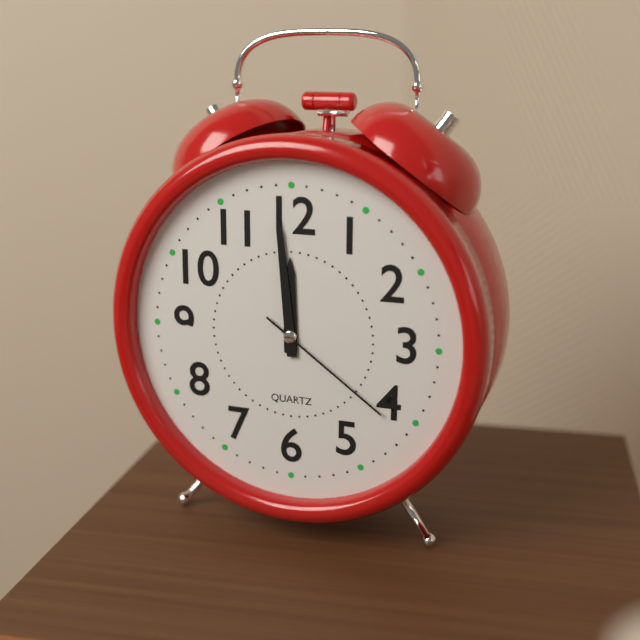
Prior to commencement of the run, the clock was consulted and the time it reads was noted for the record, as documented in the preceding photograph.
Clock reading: 11:59:21
